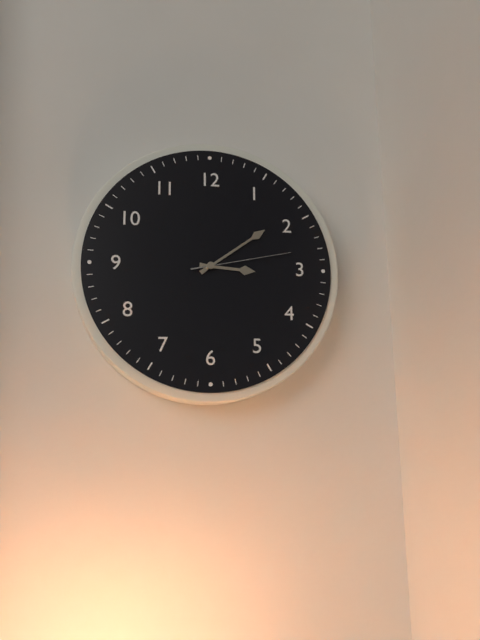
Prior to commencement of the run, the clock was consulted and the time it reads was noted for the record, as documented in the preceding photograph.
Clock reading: 3:09:13
